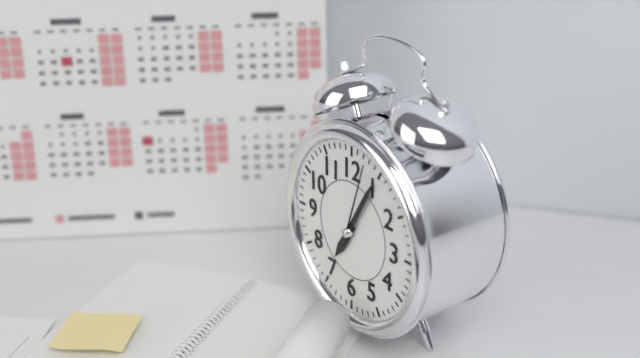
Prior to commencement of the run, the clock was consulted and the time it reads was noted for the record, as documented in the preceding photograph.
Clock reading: 7:05:03
